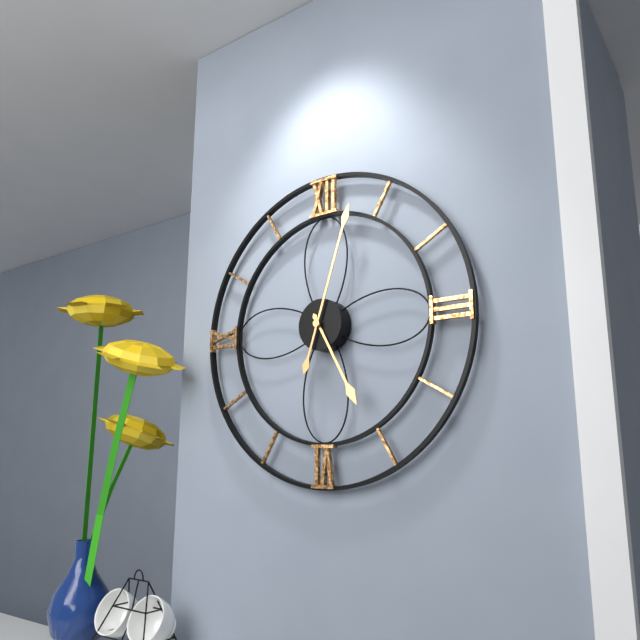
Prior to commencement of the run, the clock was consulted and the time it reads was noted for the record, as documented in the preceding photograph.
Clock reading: 5:03
